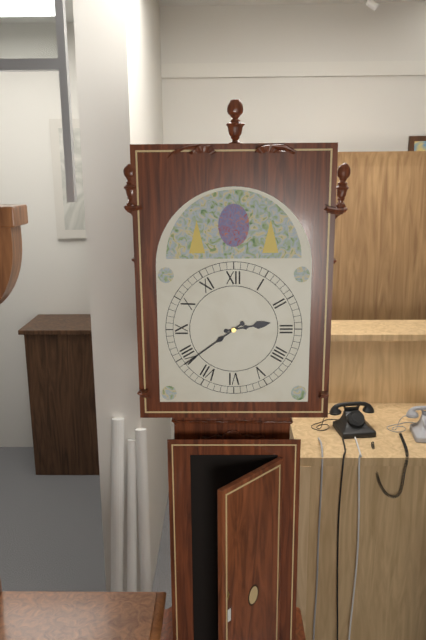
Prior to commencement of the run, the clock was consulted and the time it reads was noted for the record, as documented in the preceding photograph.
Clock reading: 2:39
